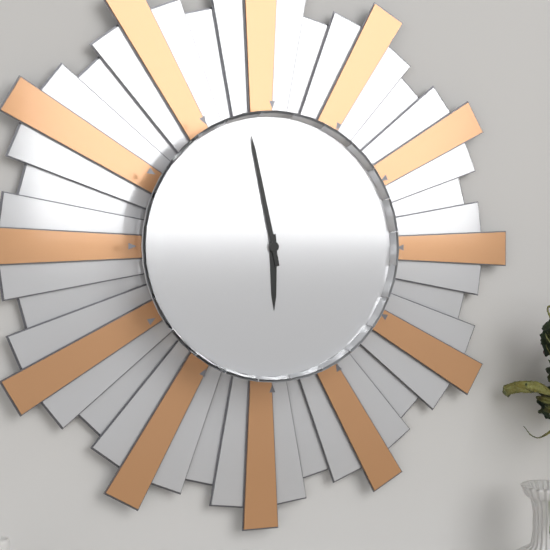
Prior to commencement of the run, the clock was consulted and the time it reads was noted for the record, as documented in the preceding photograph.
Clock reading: 5:58
